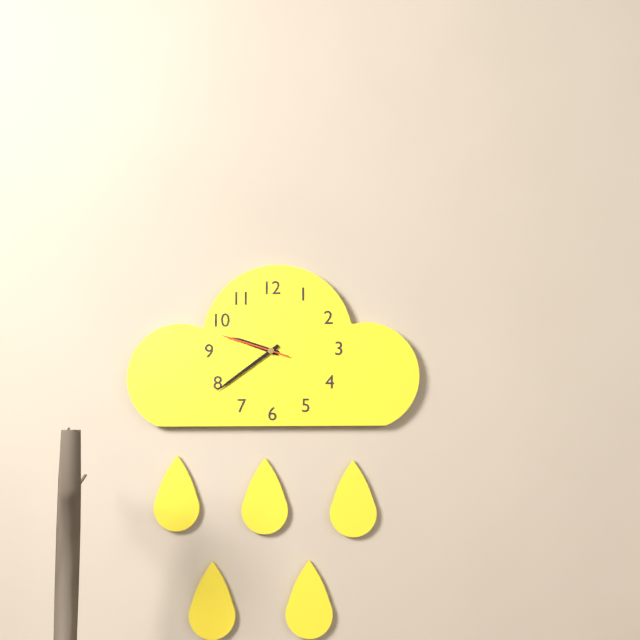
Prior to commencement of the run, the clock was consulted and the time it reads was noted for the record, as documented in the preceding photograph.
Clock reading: 9:39:48
